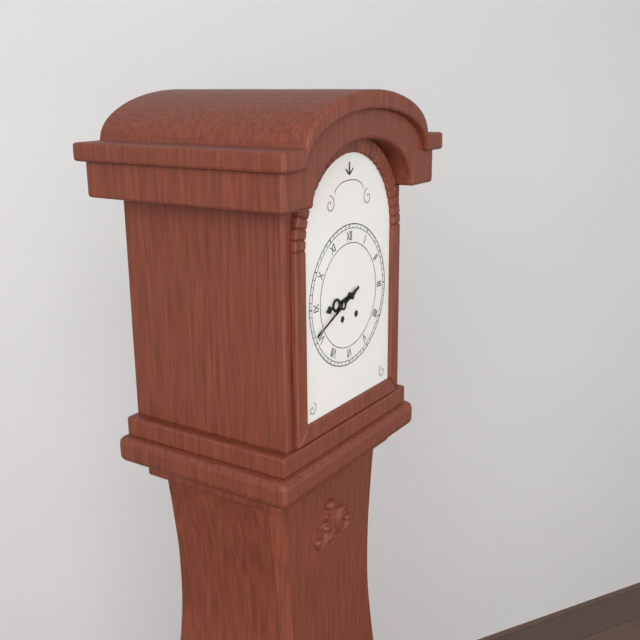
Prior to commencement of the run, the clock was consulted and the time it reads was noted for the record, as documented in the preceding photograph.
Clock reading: 8:41
